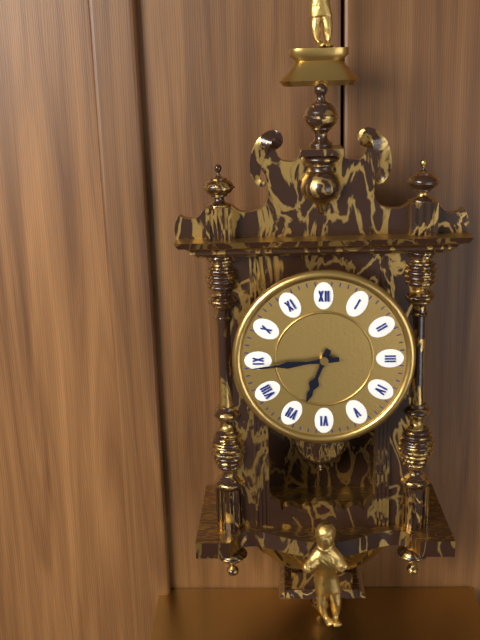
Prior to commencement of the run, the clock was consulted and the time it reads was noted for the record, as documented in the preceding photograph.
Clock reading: 6:44
